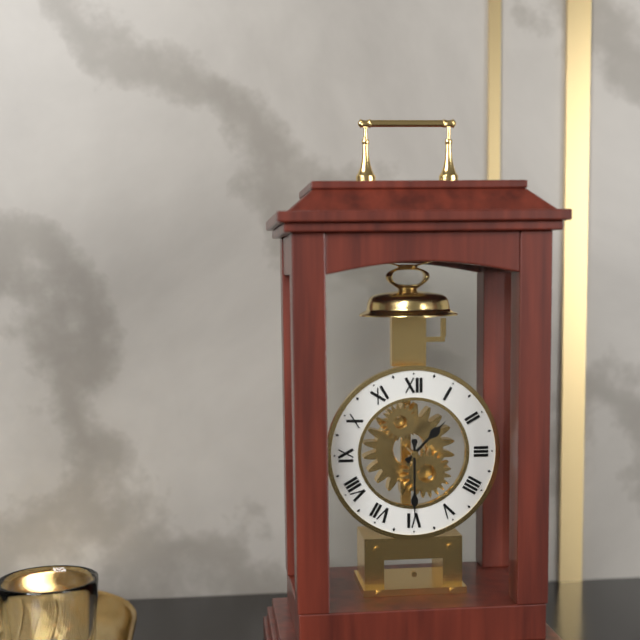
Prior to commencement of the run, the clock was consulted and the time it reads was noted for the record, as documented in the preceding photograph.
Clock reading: 1:30
